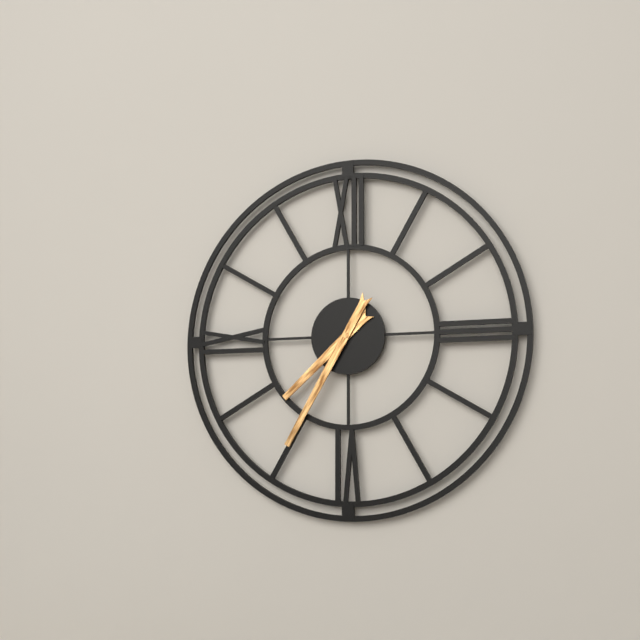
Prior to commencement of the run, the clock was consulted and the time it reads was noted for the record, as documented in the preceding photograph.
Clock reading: 7:35
